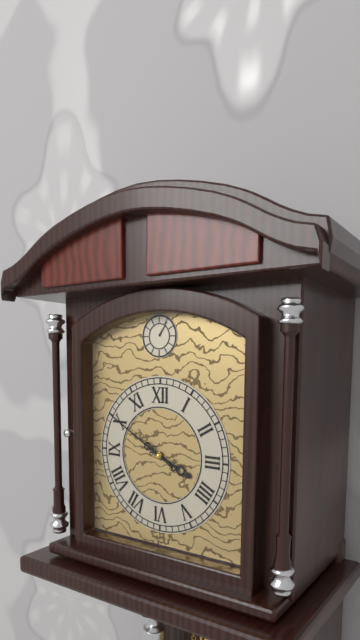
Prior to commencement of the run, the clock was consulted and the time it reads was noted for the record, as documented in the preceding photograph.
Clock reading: 3:50
